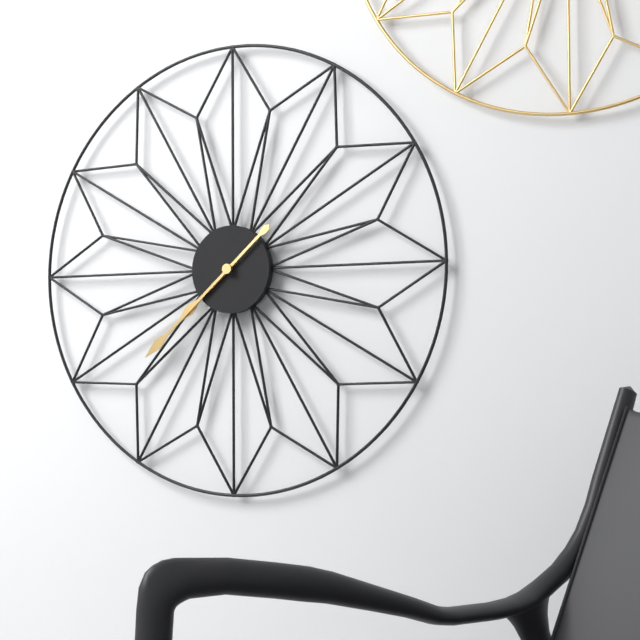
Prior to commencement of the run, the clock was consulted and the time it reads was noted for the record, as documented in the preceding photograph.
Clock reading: 7:38
